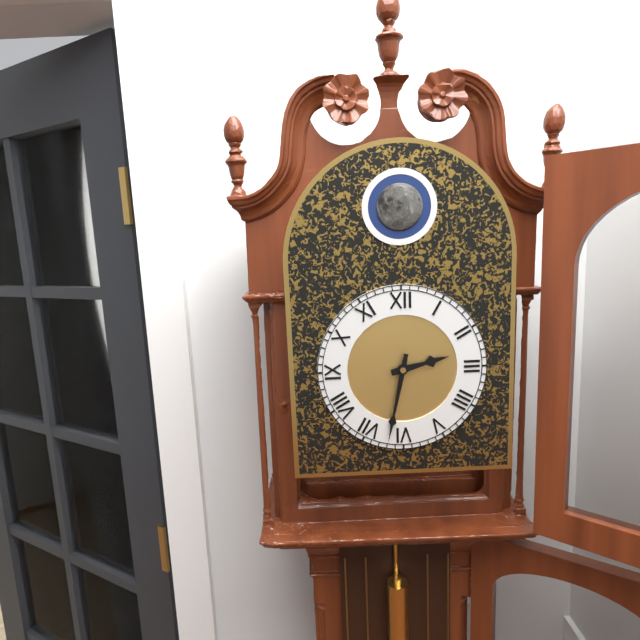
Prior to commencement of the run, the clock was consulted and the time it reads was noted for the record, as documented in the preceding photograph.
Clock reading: 2:32
